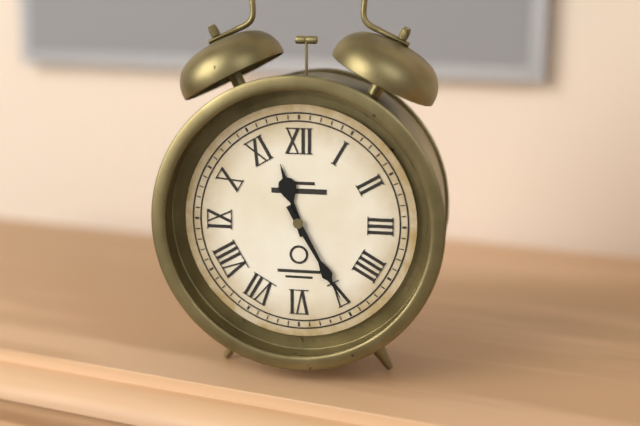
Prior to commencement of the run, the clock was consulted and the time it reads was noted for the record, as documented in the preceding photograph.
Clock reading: 11:25
